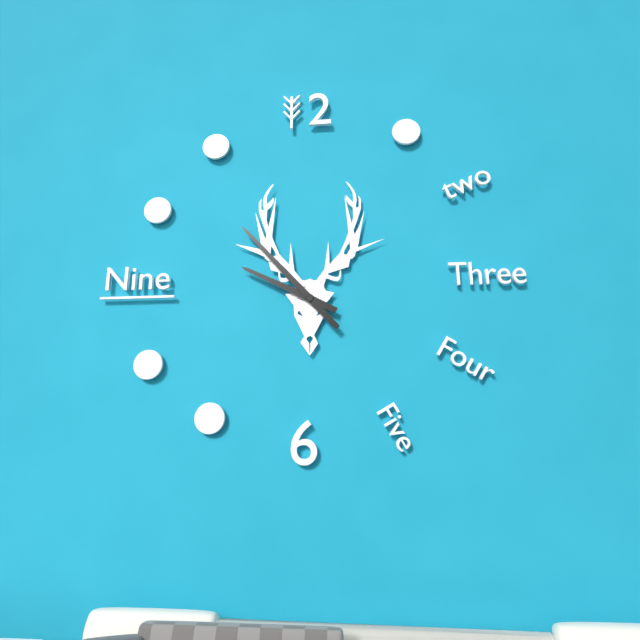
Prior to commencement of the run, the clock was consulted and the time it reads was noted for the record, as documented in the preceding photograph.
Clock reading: 9:53
